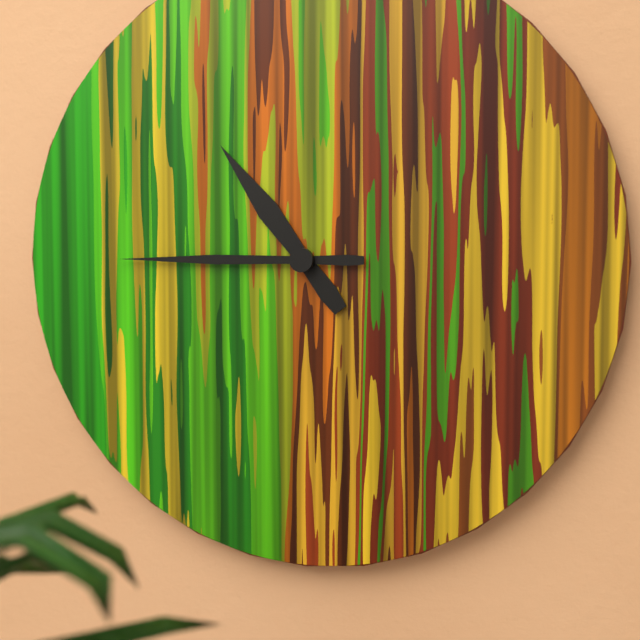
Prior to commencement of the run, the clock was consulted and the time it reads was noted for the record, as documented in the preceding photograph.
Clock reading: 10:45
